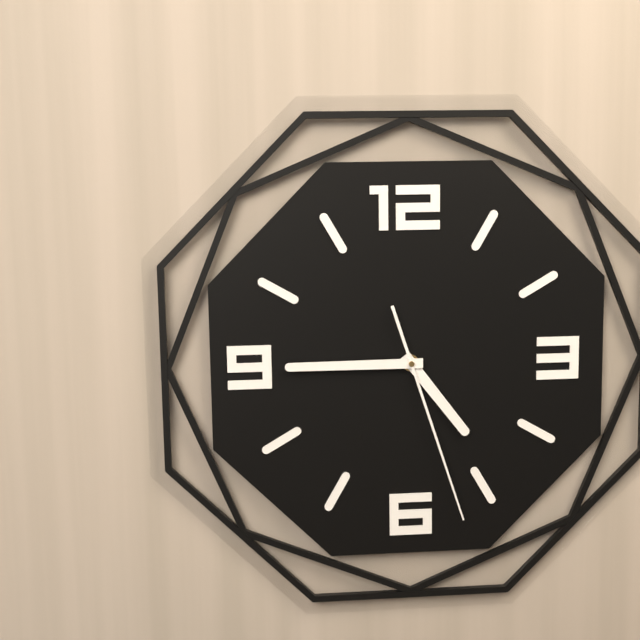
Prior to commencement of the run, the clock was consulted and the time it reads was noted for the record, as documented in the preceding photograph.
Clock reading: 4:45:27
